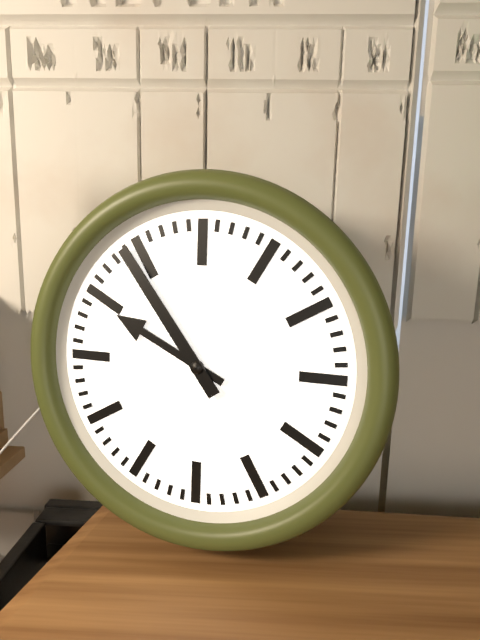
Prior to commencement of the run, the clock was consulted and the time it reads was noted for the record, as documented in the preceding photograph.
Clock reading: 9:54
